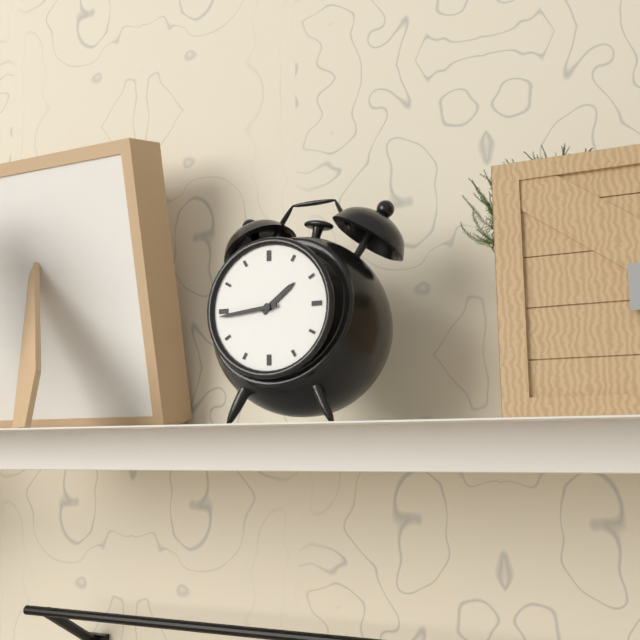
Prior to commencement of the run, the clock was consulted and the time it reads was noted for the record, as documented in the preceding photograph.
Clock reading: 1:44
